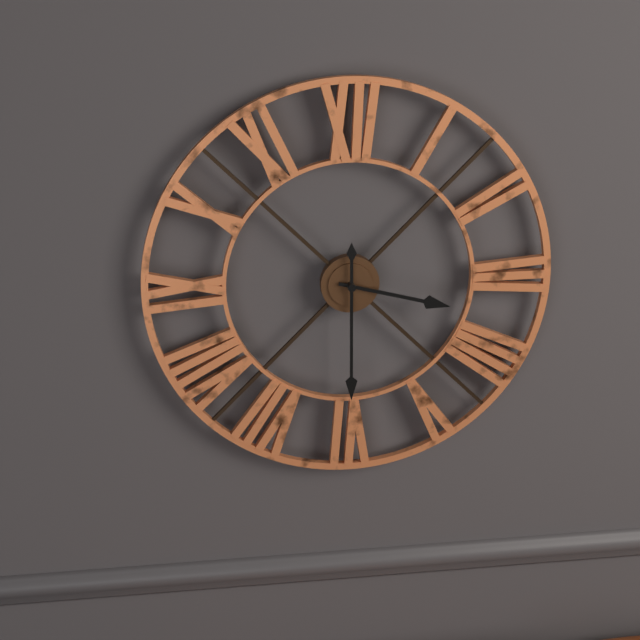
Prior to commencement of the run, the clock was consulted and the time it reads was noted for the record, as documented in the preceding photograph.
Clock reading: 3:30
